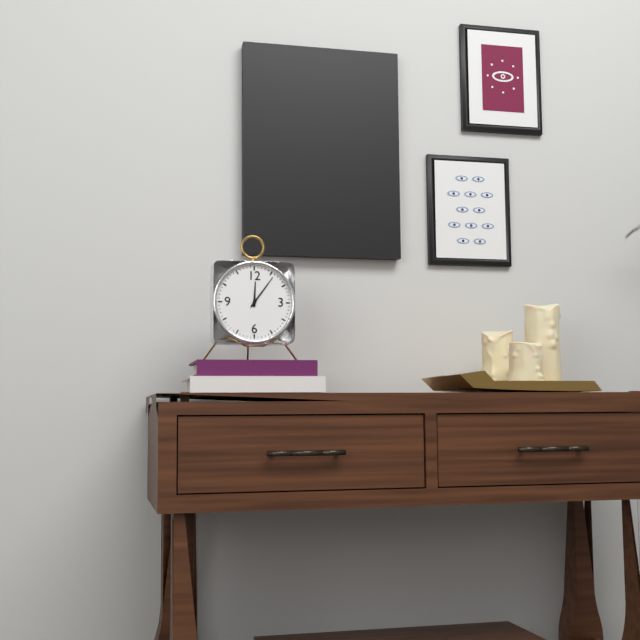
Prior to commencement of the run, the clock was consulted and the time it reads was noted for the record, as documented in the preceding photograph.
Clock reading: 12:06
